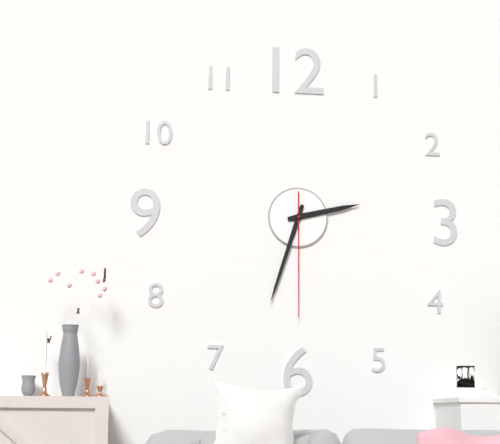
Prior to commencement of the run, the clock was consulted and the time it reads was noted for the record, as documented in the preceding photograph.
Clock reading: 2:33:30
